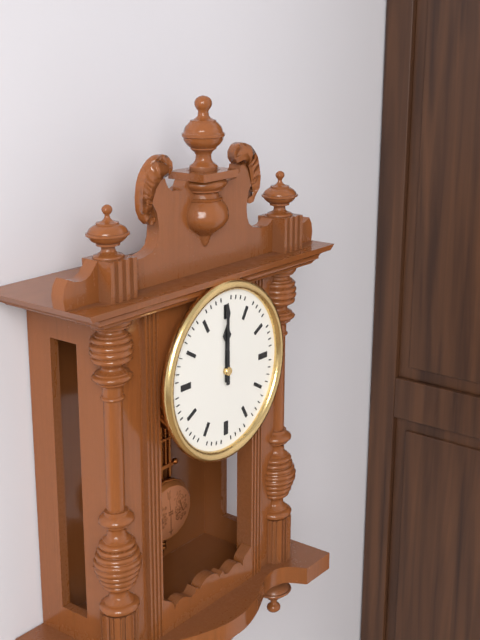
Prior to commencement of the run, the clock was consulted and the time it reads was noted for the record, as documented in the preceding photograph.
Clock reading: 12:00
